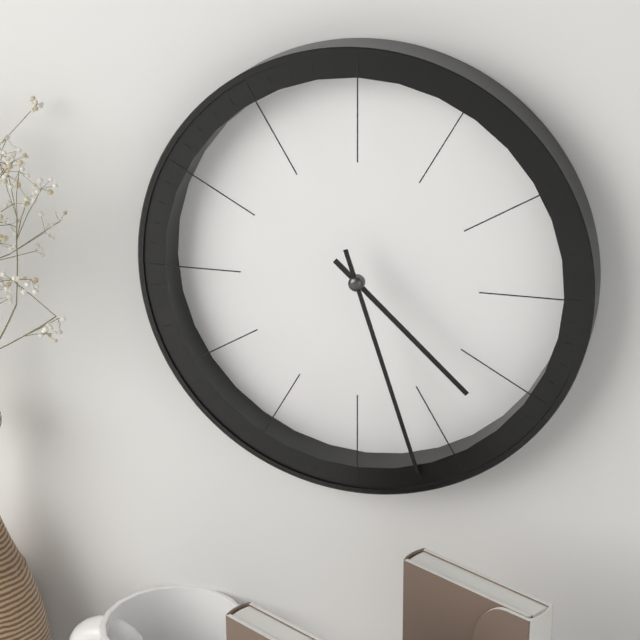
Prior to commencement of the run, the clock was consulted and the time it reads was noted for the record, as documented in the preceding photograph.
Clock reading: 4:27
